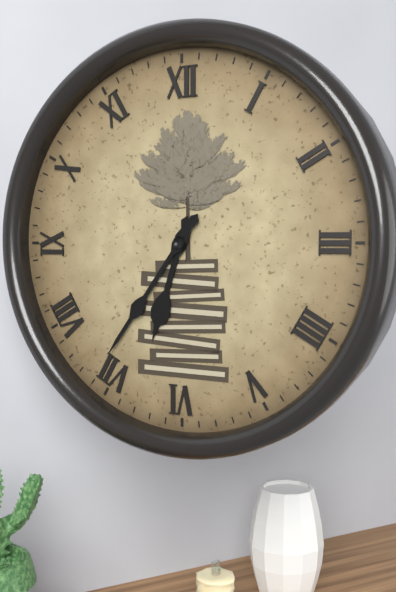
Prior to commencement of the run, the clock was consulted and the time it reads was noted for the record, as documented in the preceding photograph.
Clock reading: 6:36
